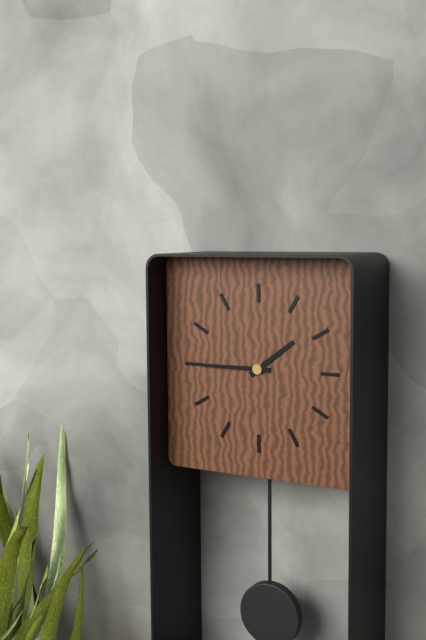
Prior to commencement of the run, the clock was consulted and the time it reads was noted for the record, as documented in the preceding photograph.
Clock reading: 1:45
